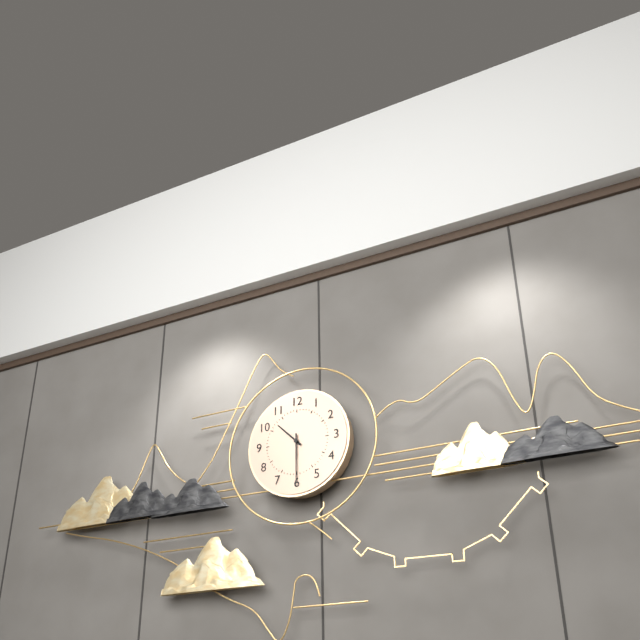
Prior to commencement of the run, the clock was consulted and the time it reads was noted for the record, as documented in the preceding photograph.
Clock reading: 10:30
